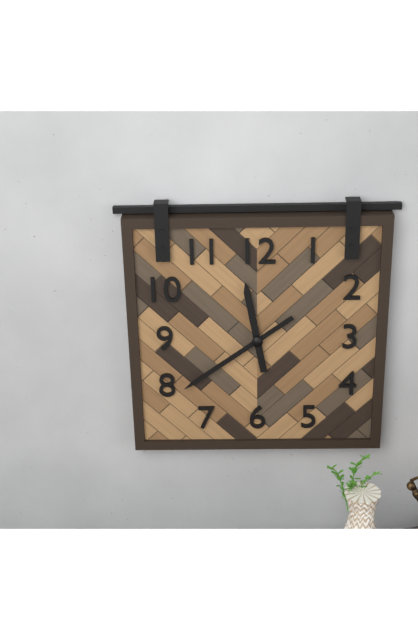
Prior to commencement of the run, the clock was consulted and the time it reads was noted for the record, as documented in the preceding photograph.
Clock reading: 11:39
